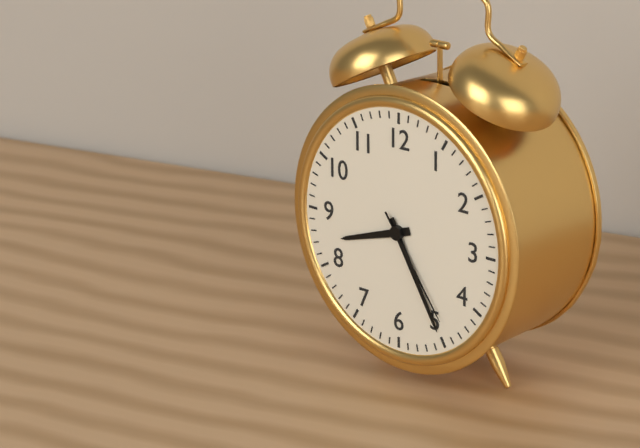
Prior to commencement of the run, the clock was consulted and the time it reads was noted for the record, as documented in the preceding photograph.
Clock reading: 8:25:24
